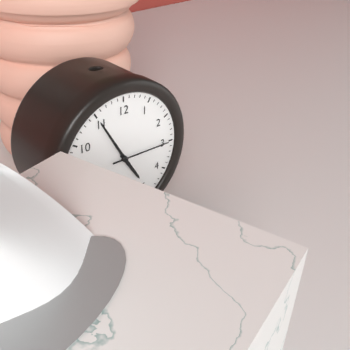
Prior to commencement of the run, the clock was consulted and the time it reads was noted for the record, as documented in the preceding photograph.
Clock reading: 4:55:15
